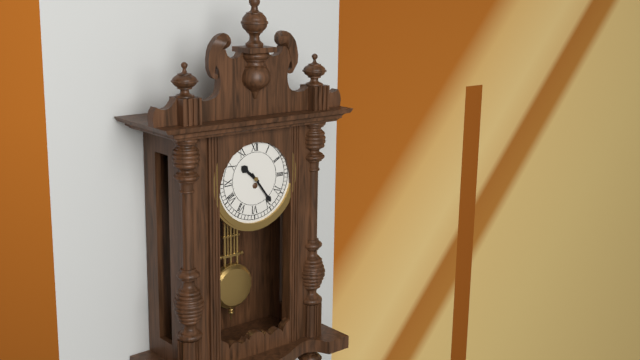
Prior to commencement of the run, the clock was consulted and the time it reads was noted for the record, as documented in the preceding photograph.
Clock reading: 10:24
